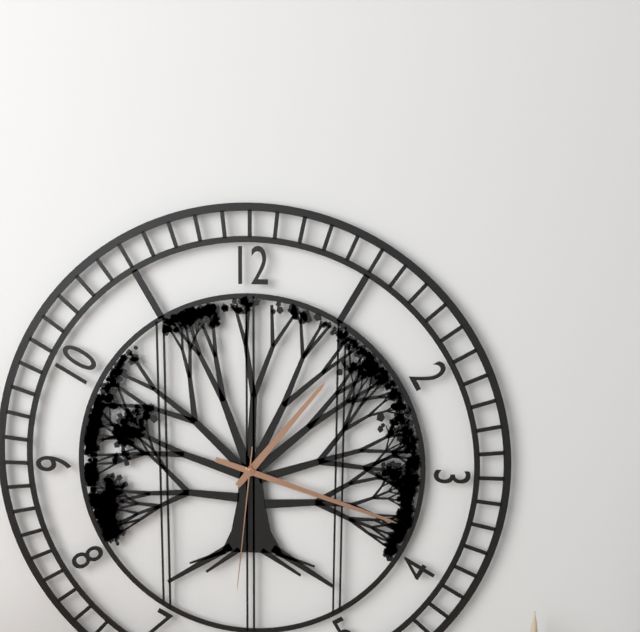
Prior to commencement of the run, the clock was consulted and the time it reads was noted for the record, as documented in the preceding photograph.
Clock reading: 1:18:31
